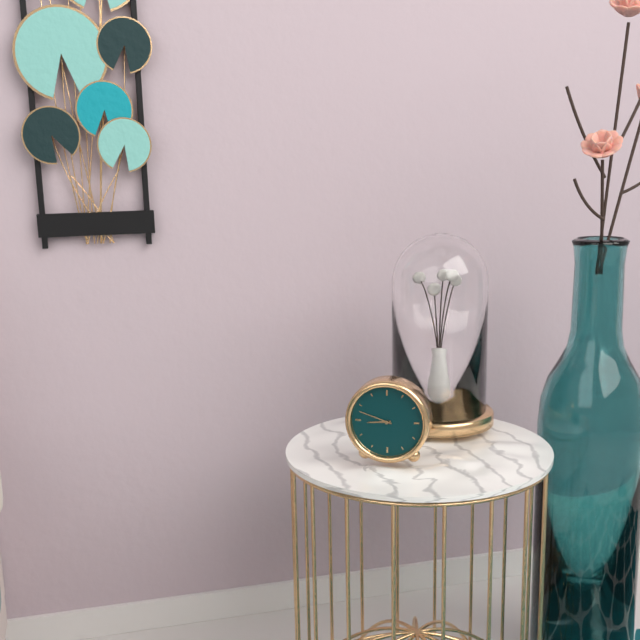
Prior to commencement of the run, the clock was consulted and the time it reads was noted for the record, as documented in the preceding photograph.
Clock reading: 8:48
